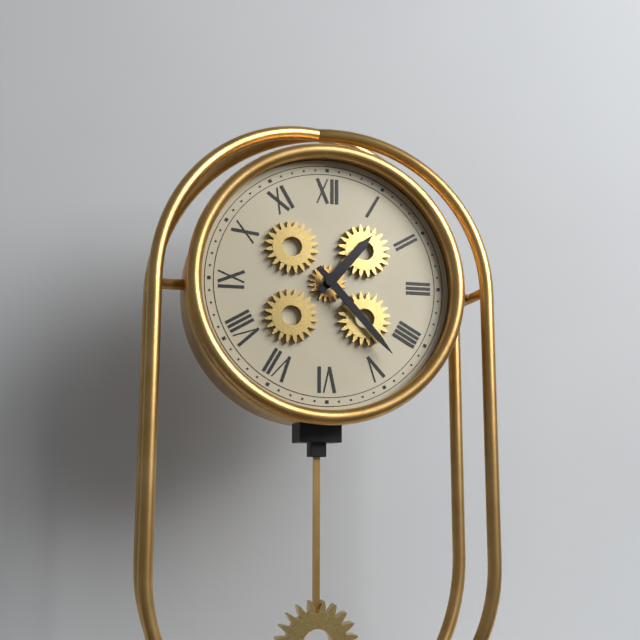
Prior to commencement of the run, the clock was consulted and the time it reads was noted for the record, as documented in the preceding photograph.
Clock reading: 1:23
